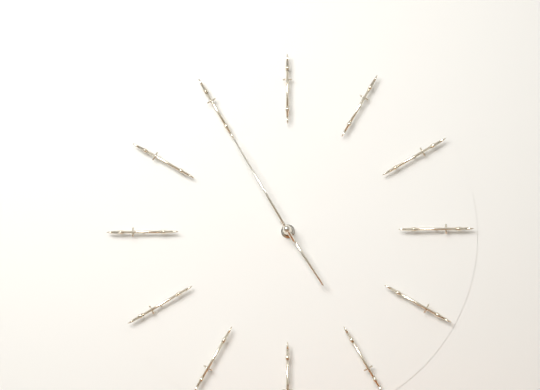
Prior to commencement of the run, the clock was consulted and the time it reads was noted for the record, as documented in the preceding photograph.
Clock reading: 4:55
